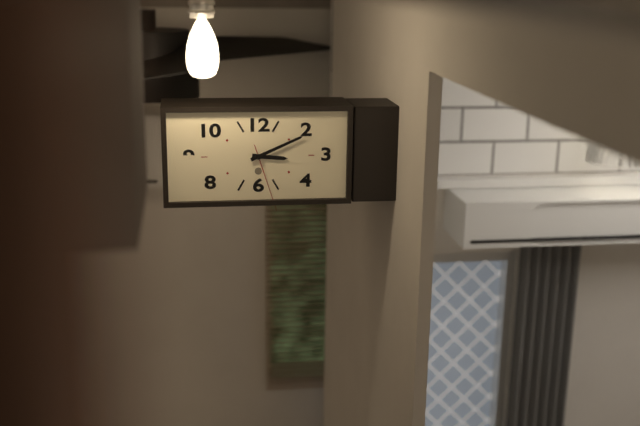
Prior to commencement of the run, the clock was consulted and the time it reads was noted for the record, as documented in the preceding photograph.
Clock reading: 3:11:27
